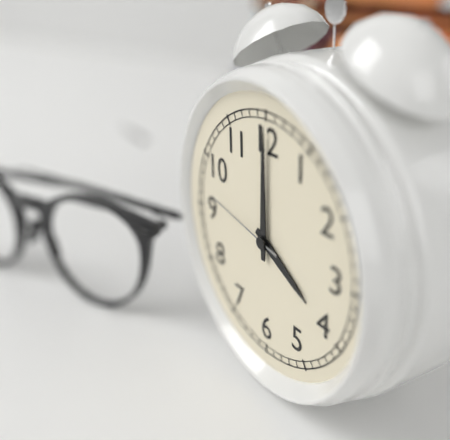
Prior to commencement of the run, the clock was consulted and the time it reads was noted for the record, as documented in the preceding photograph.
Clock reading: 4:00:47
